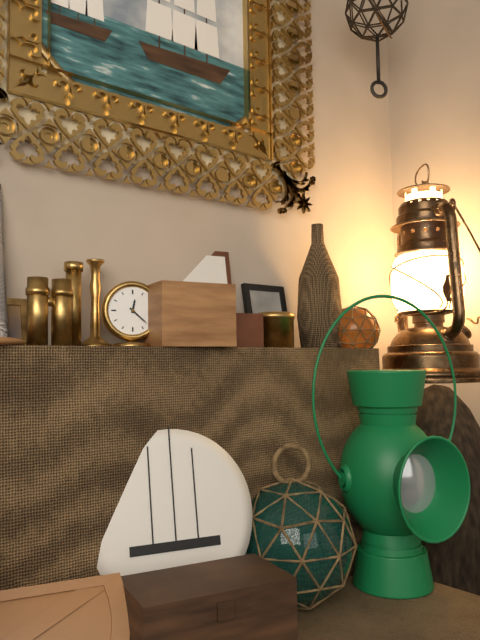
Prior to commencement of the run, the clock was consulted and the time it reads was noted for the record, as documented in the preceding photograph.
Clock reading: 12:22
